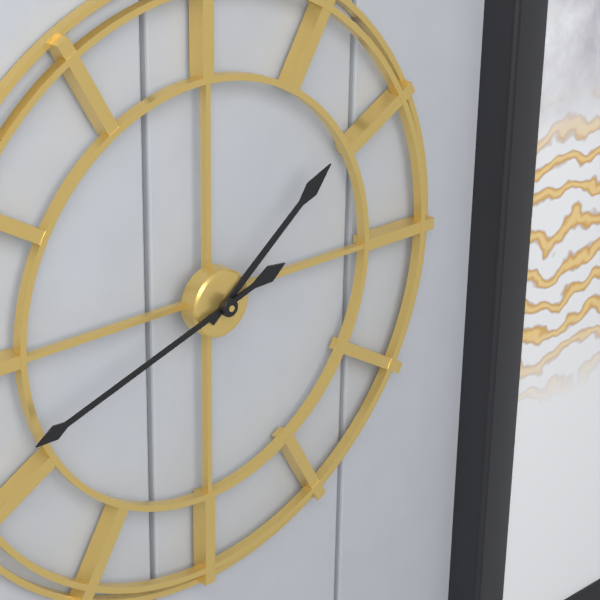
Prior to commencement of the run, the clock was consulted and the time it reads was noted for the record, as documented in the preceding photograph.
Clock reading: 1:42
